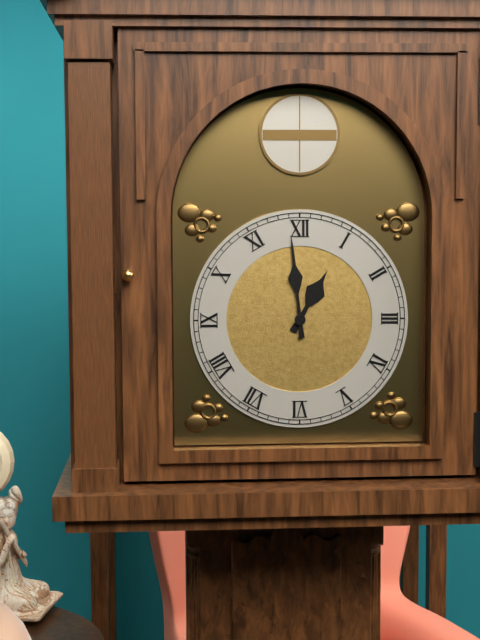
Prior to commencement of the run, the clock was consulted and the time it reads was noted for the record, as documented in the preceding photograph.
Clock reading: 12:59
